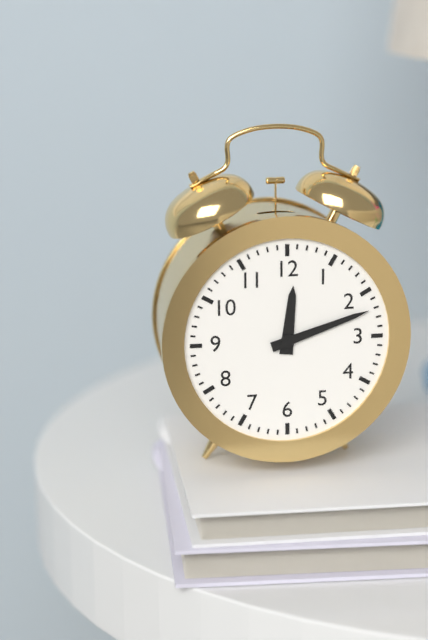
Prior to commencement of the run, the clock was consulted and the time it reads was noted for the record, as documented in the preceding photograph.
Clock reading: 12:12
